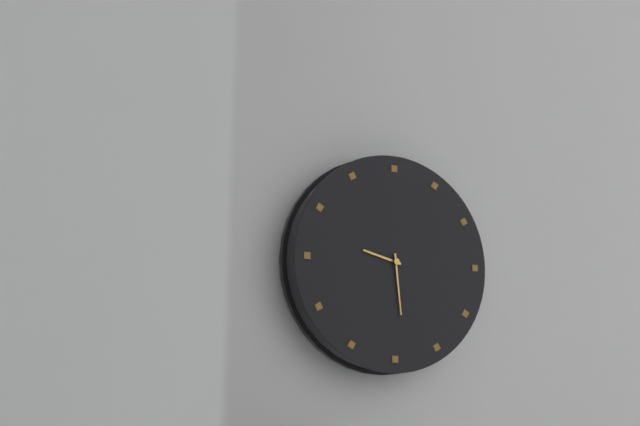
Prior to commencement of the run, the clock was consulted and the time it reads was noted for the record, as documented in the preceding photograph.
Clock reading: 9:29
